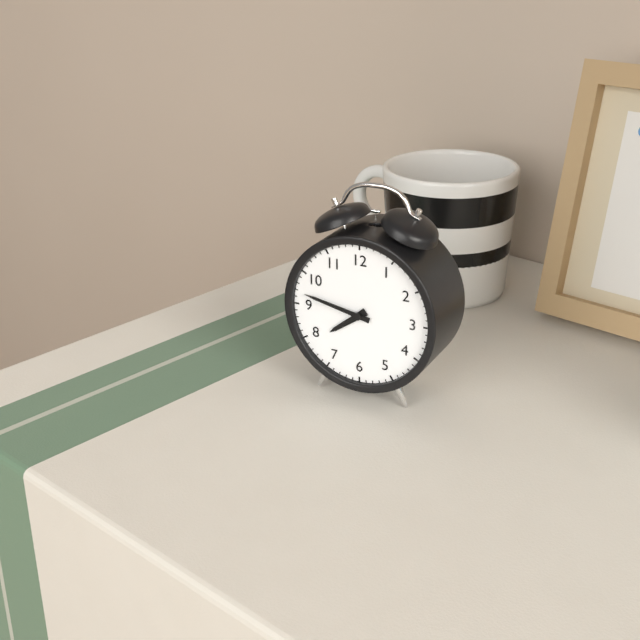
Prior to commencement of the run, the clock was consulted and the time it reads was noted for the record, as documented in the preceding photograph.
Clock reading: 7:47
